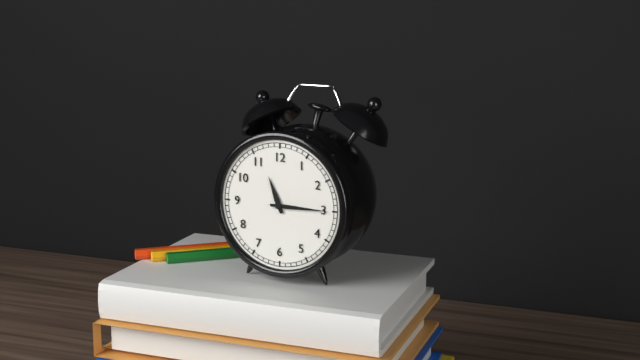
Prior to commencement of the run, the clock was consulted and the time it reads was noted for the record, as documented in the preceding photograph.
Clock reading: 11:15
